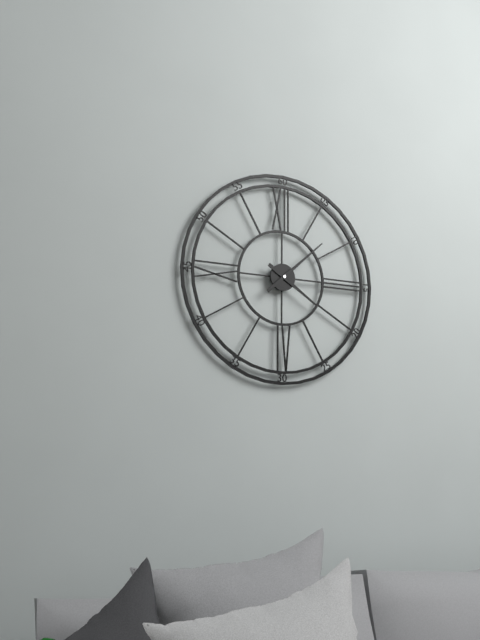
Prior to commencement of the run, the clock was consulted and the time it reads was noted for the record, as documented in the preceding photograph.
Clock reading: 4:08
